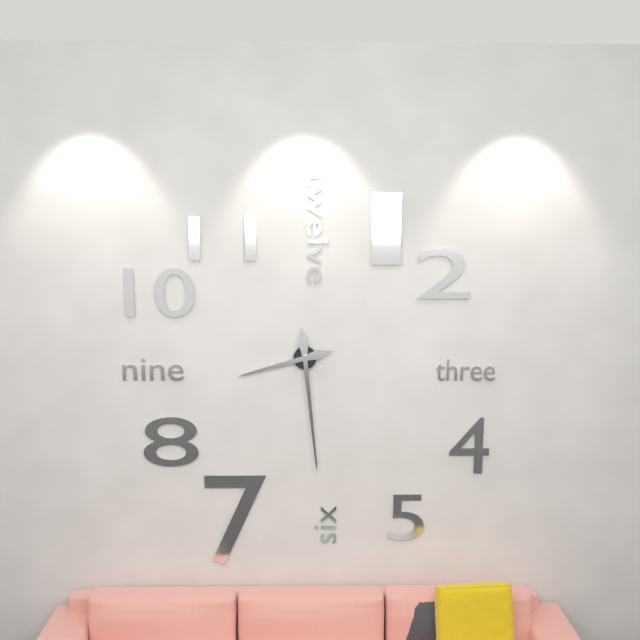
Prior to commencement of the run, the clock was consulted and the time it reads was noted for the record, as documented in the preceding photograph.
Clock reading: 8:29
